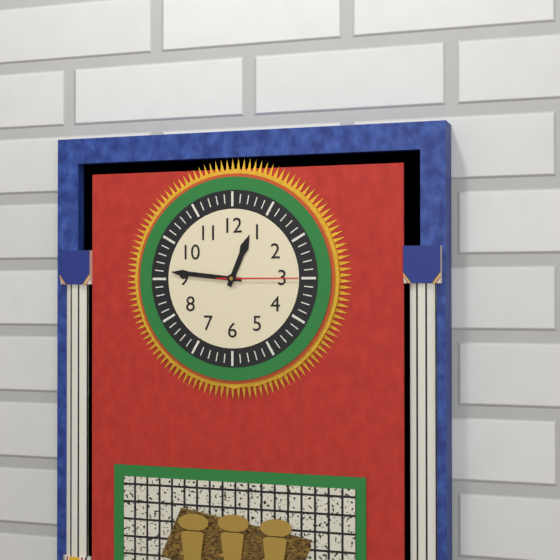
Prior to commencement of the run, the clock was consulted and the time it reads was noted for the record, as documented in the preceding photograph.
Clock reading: 12:46:15
